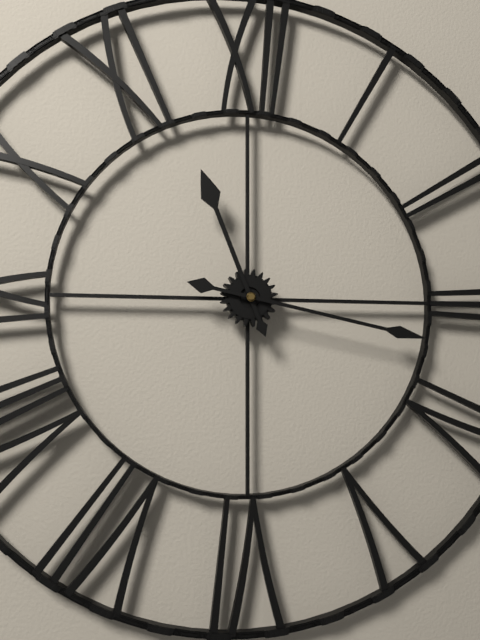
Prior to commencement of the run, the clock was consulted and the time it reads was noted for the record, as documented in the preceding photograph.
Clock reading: 11:17
